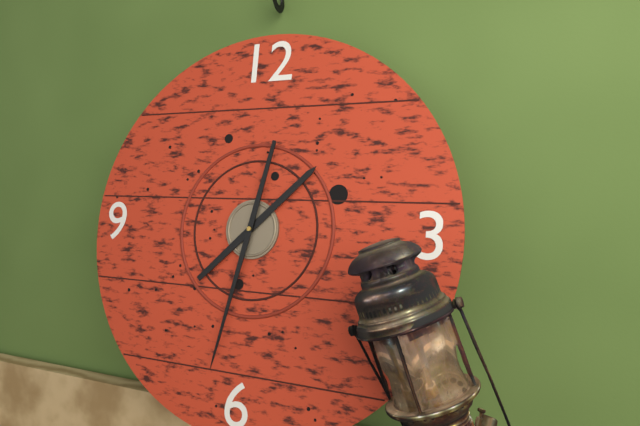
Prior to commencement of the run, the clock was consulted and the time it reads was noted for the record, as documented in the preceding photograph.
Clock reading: 1:32
